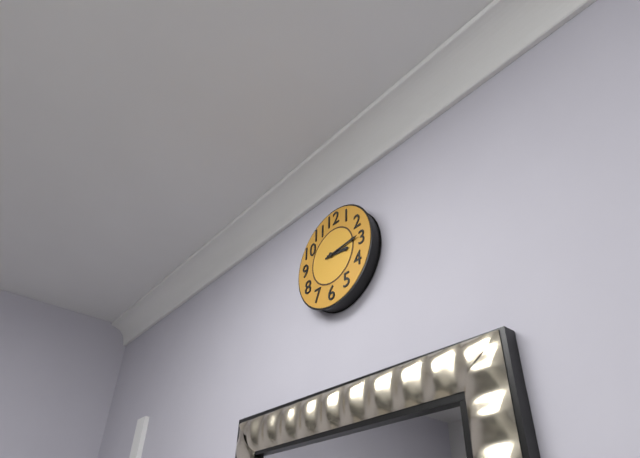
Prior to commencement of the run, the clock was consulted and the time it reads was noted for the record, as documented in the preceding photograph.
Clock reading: 3:14
